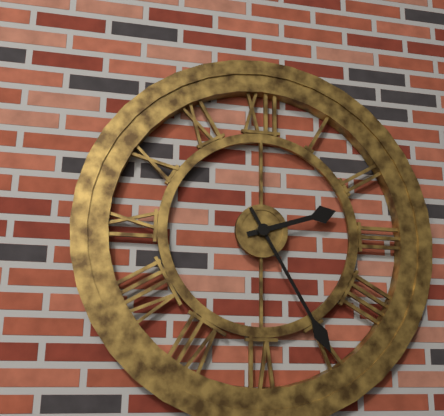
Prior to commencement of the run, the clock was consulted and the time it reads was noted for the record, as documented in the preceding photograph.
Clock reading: 2:25
